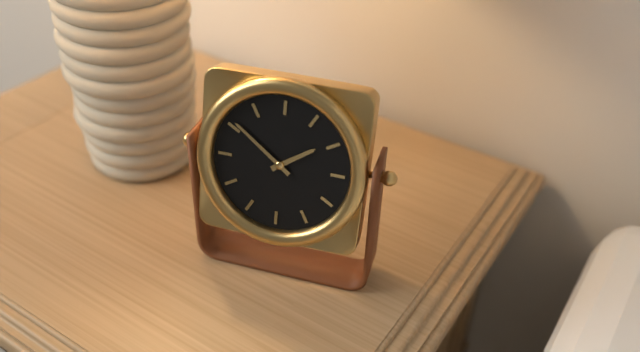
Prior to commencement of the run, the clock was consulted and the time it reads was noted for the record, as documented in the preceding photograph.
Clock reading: 1:51
